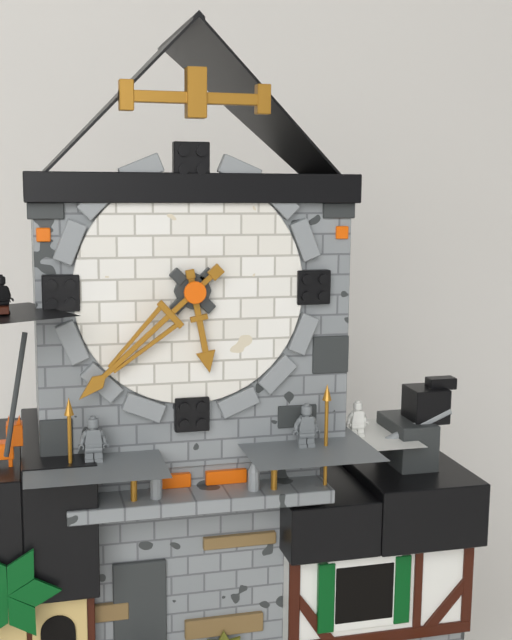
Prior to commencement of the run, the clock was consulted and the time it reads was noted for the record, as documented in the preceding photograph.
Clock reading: 5:38
